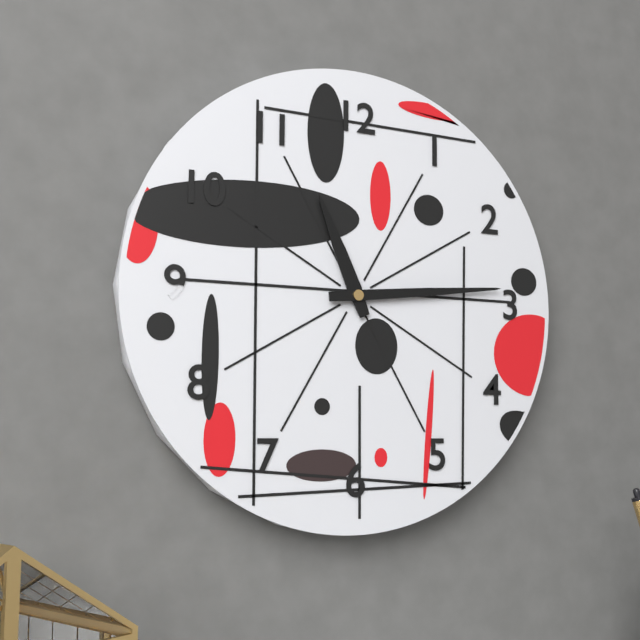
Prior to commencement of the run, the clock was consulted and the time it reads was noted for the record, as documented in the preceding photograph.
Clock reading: 11:14
